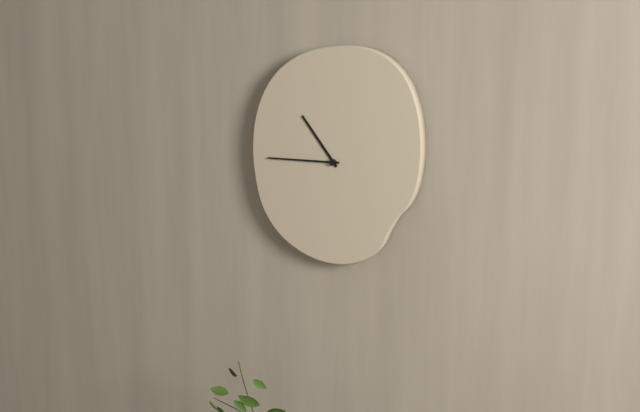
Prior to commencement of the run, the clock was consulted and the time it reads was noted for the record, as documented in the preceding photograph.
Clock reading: 10:45
